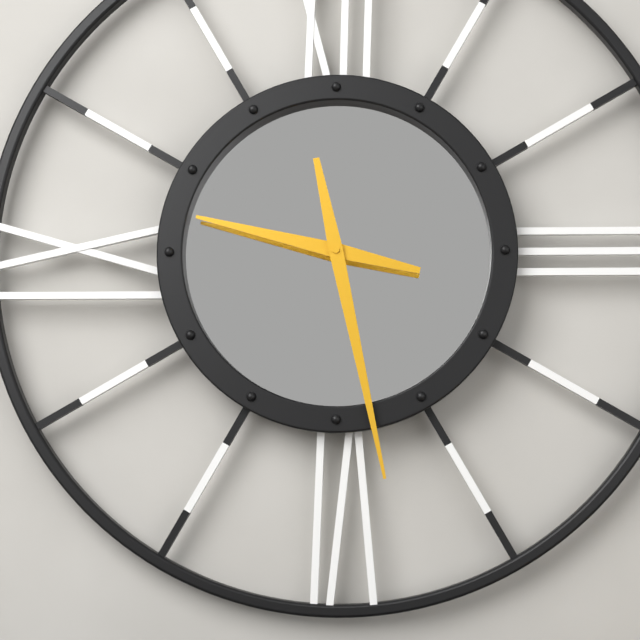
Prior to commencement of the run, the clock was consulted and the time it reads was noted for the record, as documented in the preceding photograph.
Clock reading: 9:28
